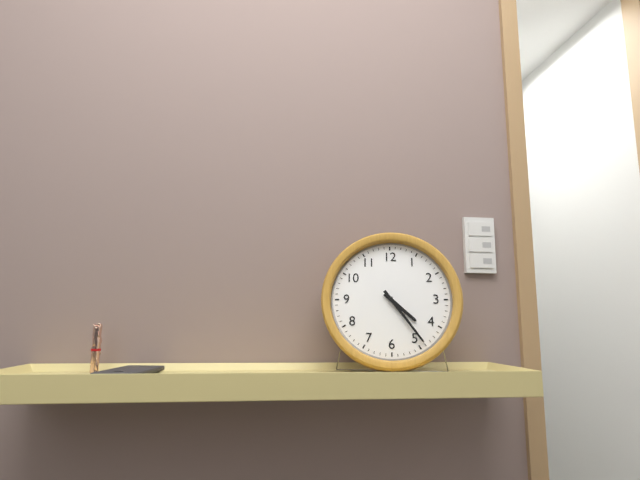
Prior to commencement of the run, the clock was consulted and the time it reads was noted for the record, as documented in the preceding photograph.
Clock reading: 4:24
